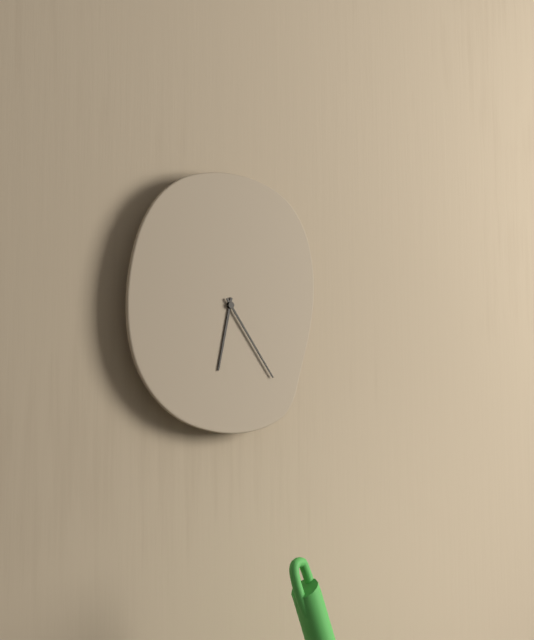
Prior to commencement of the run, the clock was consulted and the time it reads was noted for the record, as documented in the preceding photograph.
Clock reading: 6:24
